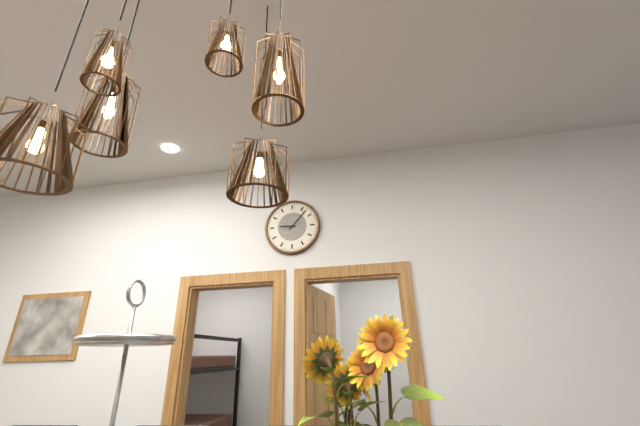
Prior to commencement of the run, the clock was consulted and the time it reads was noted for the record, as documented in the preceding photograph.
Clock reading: 9:07
